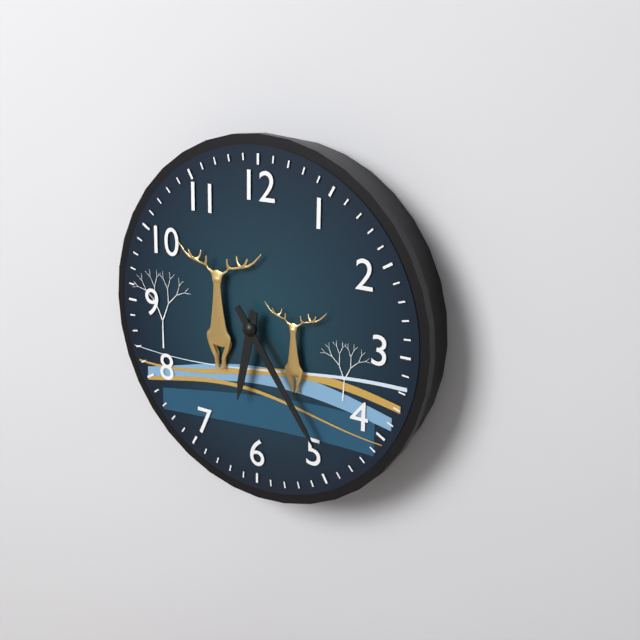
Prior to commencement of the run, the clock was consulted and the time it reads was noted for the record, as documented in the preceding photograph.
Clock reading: 6:24
